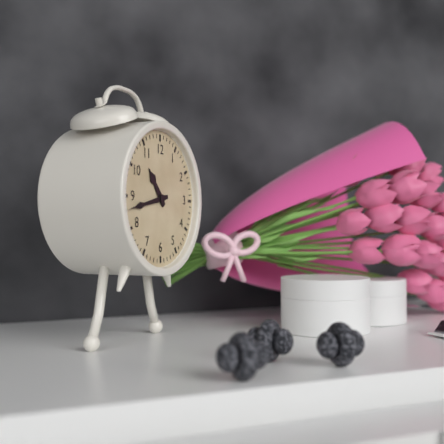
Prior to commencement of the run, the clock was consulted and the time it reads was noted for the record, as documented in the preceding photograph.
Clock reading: 10:43
